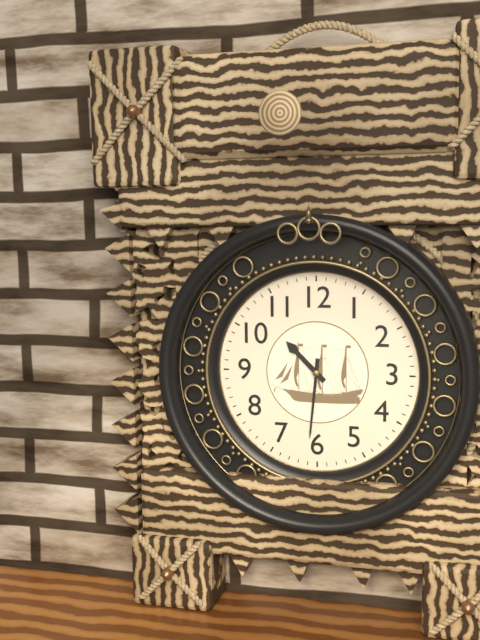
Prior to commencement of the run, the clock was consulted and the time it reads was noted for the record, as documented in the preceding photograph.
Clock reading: 10:31
